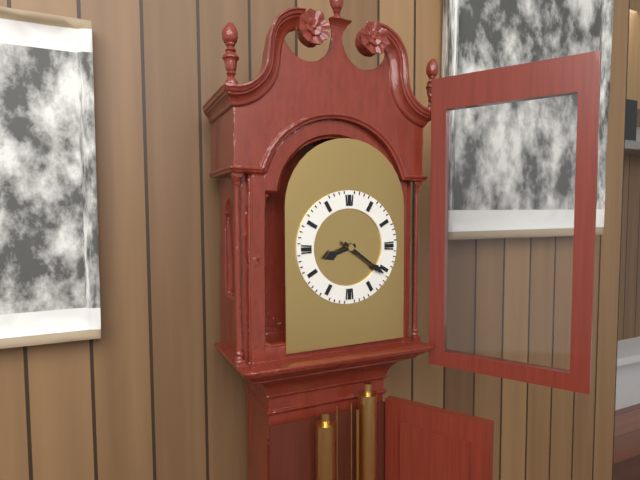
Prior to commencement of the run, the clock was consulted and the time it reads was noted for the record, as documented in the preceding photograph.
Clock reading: 8:21
